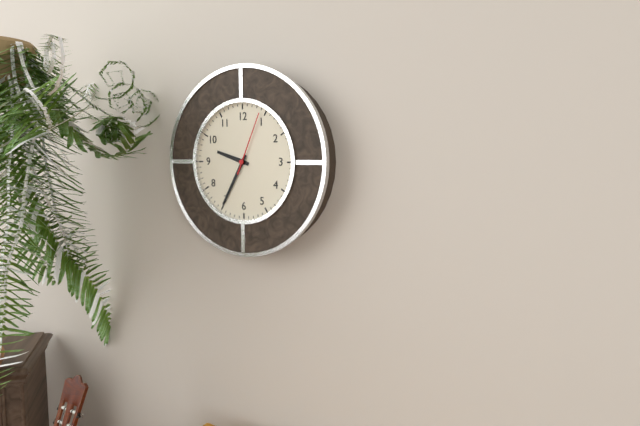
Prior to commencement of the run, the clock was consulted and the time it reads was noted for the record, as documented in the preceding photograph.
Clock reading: 9:35:04
